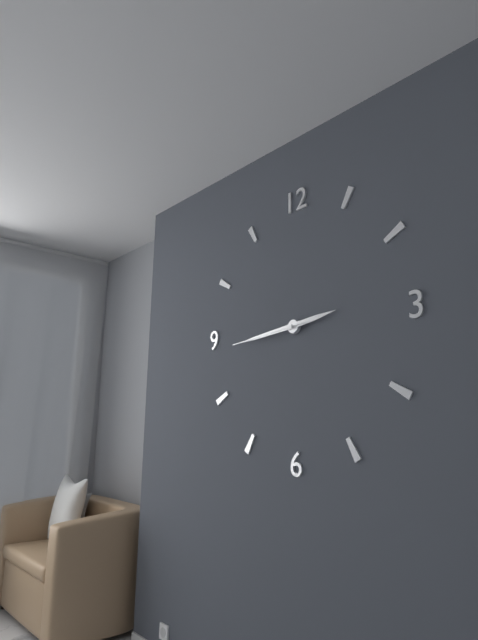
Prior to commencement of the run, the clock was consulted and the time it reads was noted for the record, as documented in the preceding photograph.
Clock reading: 2:44:44
